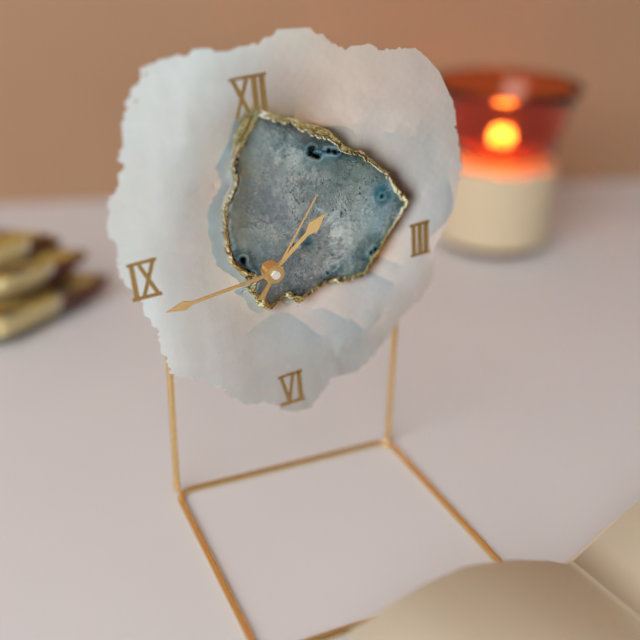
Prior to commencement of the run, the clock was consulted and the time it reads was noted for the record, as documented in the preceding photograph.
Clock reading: 1:44:06
